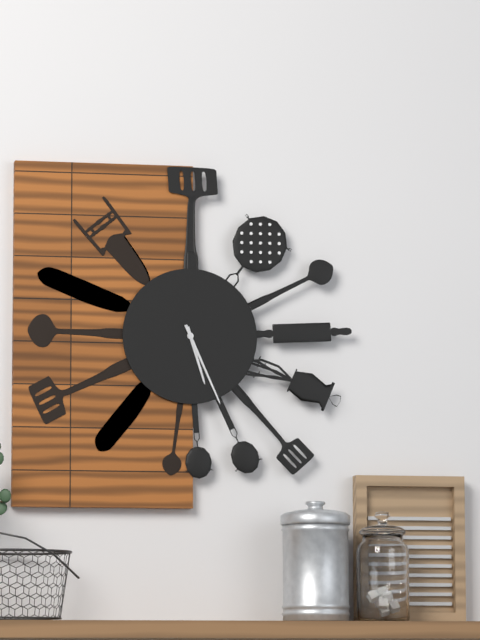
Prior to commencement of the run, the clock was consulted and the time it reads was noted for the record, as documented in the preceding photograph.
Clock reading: 5:26
